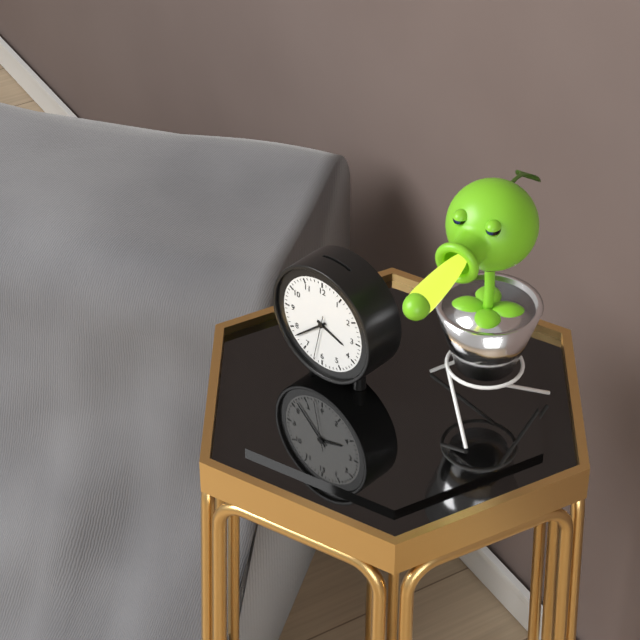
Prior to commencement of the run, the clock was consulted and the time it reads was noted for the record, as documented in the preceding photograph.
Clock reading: 3:38
